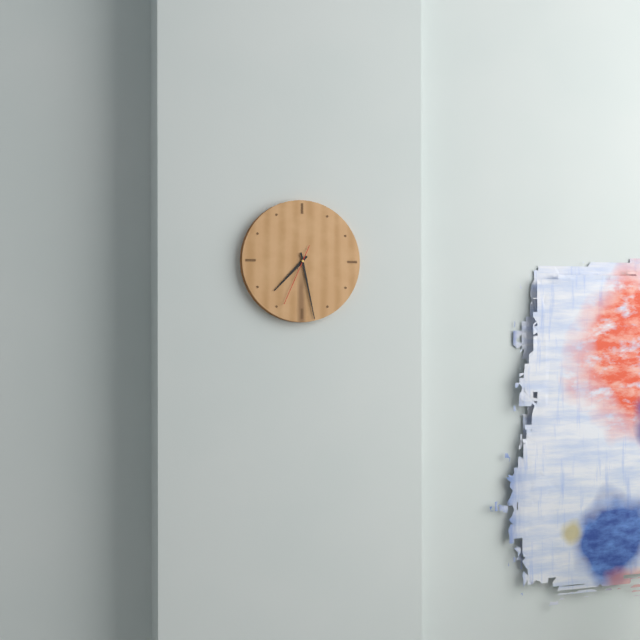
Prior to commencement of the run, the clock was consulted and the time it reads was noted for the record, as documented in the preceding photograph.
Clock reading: 7:28:34
